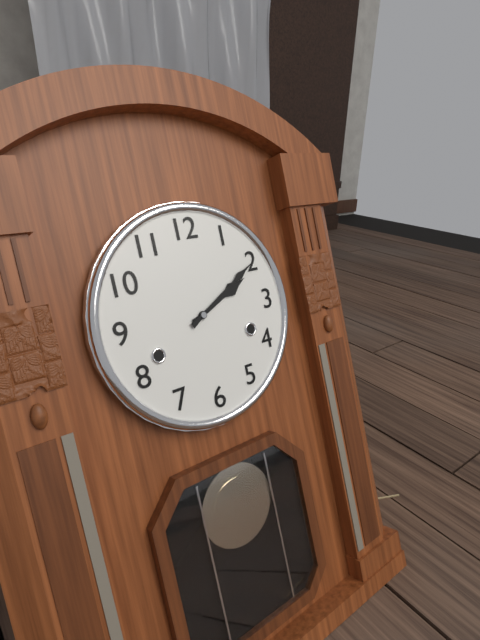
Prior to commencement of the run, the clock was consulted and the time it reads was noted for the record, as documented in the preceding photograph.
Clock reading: 2:10
